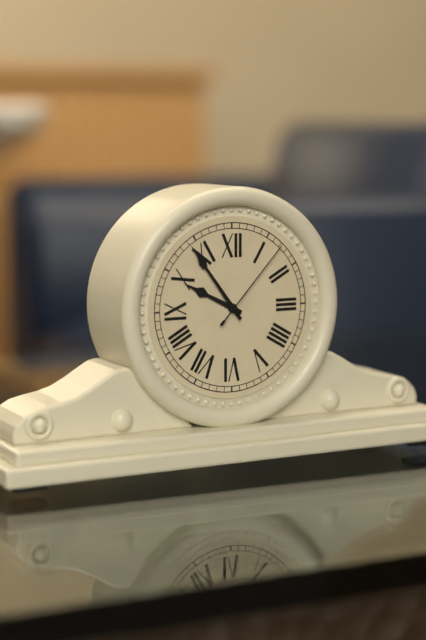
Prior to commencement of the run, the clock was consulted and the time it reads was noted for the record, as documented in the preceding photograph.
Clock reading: 9:54:07
